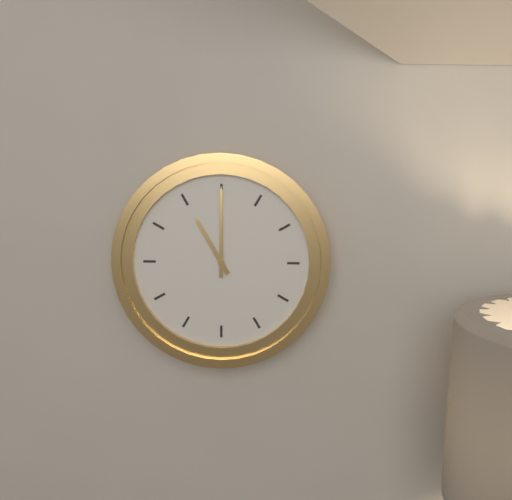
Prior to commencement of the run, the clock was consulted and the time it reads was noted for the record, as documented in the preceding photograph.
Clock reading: 11:00
